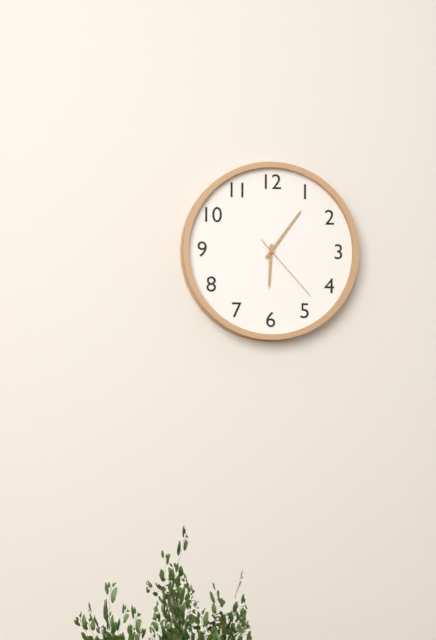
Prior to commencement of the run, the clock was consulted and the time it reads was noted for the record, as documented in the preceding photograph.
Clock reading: 6:06:23
